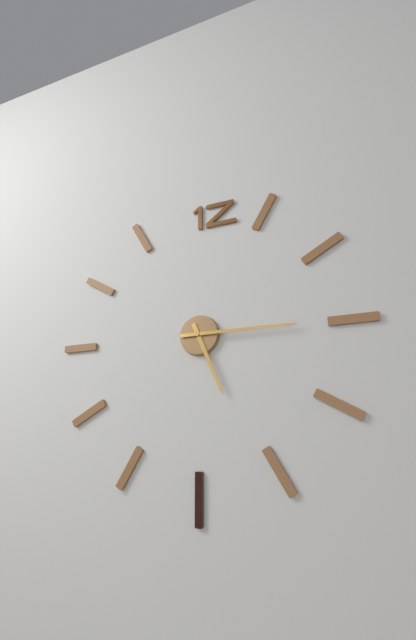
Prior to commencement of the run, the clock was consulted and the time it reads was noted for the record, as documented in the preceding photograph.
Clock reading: 5:15
